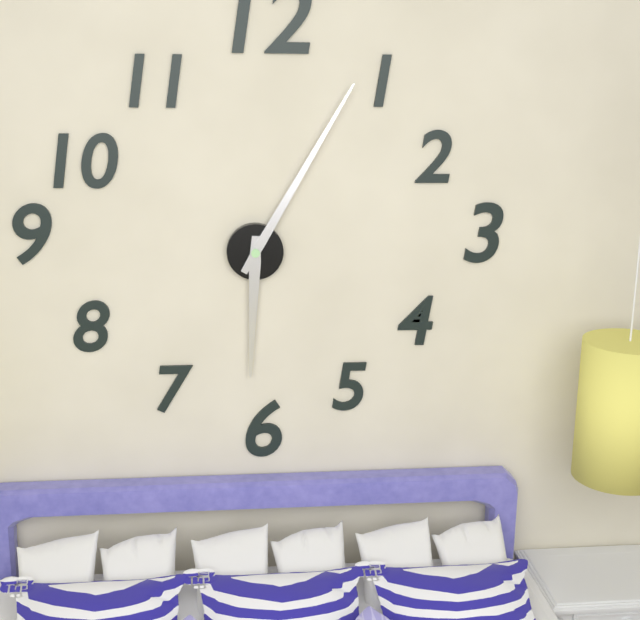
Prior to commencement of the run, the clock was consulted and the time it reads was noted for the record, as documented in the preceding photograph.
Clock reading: 6:05
